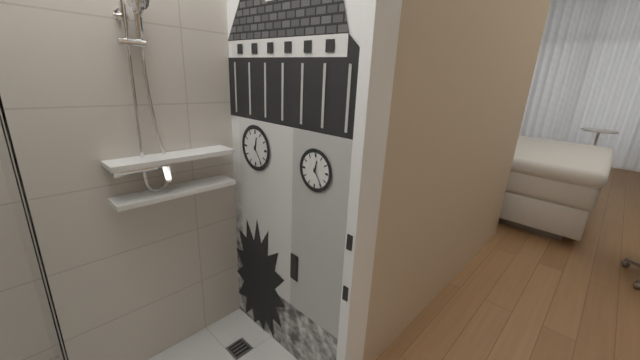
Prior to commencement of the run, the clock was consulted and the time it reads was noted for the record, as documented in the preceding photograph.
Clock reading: 12:24
